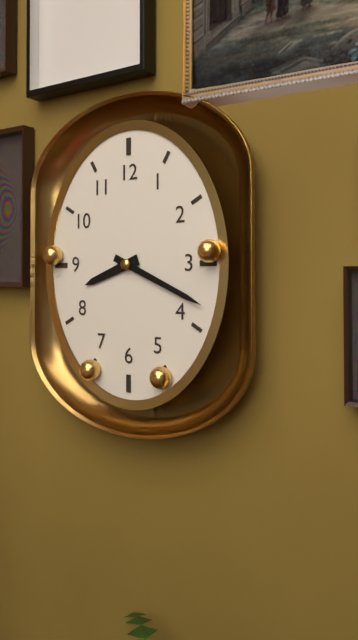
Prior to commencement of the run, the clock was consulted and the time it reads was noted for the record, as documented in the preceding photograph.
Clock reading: 8:19
